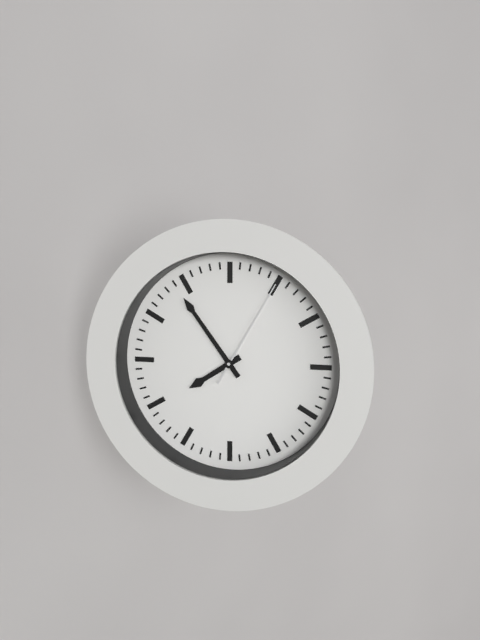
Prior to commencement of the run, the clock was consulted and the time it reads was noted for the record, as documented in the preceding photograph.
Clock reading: 7:54:05
